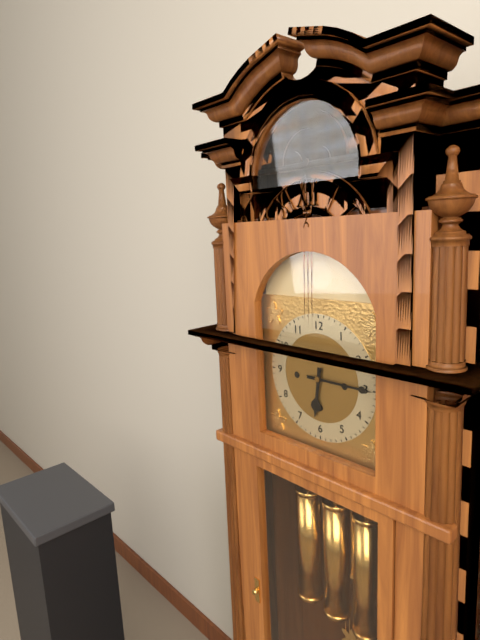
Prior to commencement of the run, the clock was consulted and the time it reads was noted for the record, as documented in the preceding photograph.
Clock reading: 6:15
